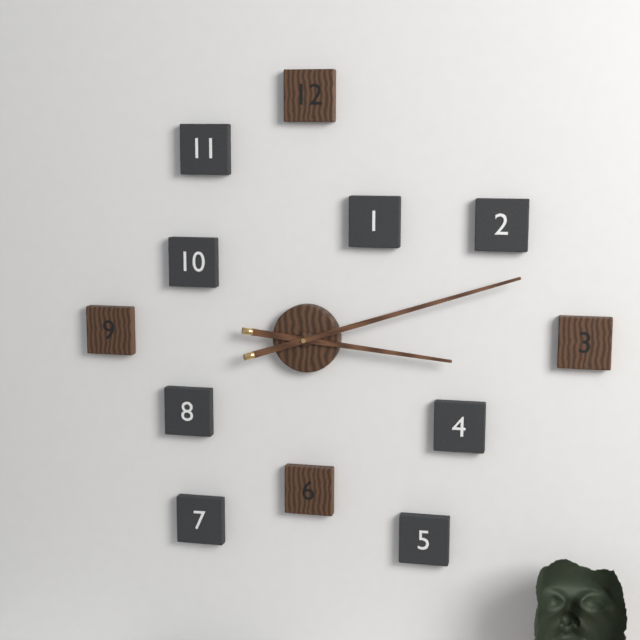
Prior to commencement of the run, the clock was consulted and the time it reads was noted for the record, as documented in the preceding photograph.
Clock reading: 3:12
